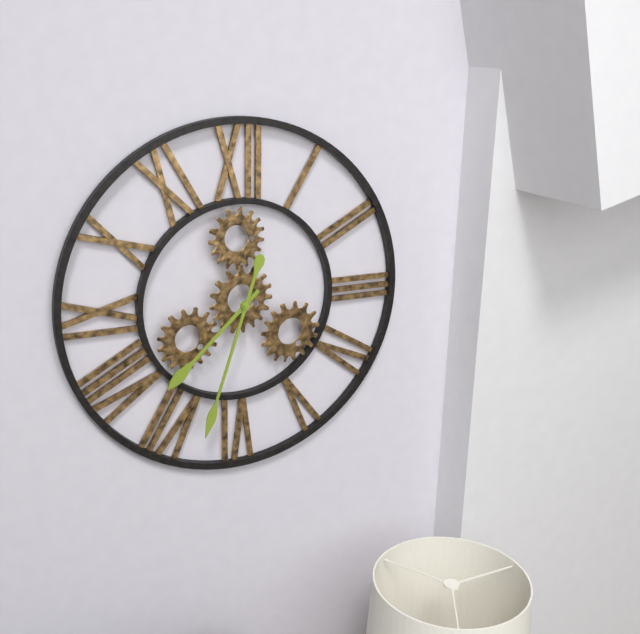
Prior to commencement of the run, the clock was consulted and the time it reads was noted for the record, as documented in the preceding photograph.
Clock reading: 7:33
